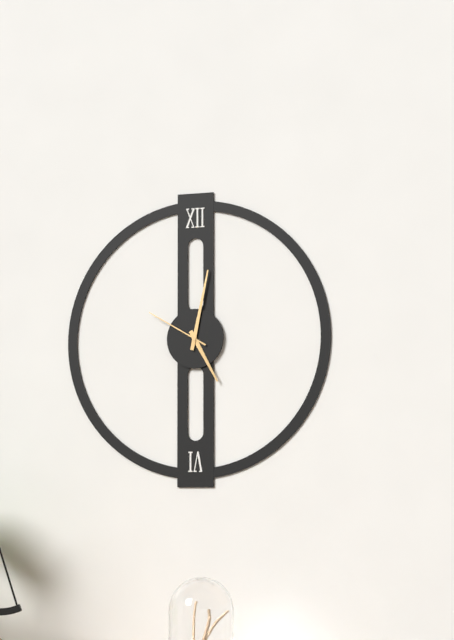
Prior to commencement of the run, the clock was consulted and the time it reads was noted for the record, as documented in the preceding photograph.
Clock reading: 5:02:50
